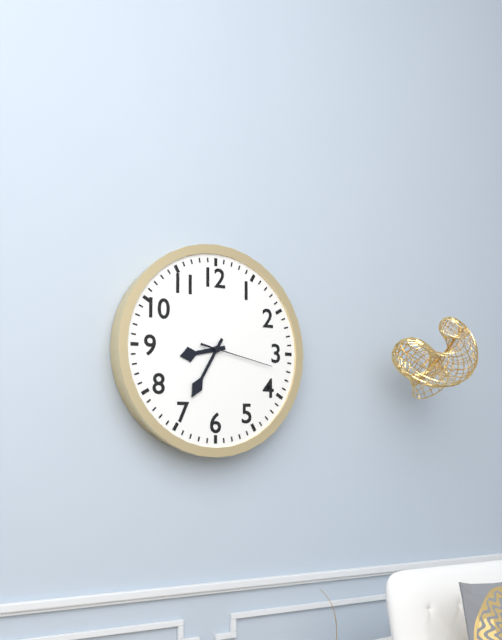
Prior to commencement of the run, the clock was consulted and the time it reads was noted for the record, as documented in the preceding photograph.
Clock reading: 8:35:17
